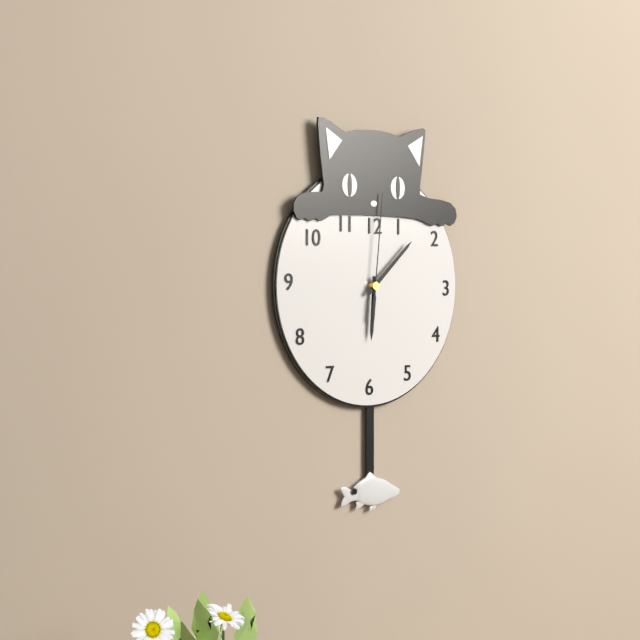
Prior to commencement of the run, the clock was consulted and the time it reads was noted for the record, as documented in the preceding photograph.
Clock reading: 6:08:01
